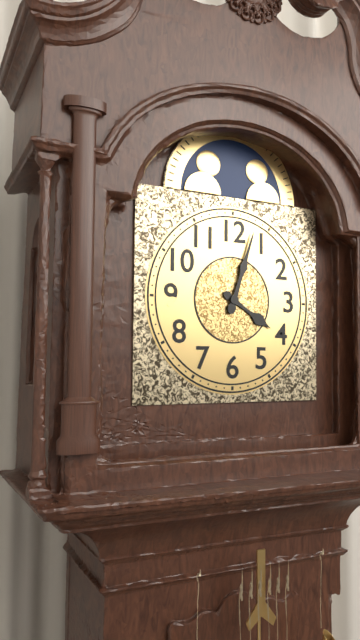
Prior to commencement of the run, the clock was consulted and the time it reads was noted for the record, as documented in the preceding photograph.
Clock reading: 4:03
